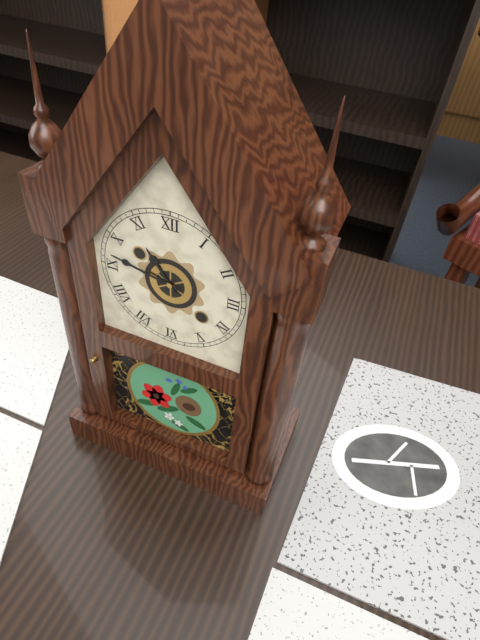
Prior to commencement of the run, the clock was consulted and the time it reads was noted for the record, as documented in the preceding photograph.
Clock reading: 10:47
